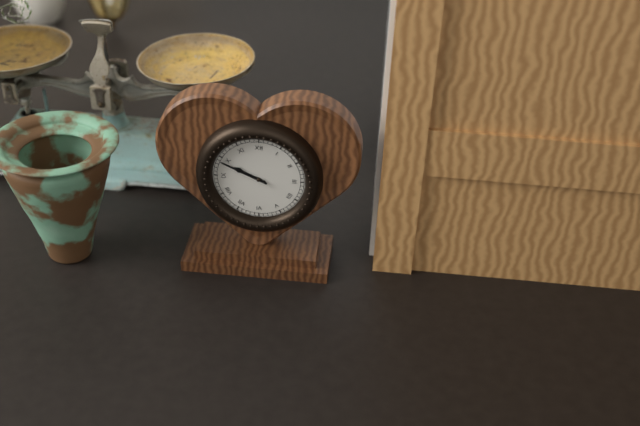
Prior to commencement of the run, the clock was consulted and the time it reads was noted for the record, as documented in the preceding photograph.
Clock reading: 9:49
